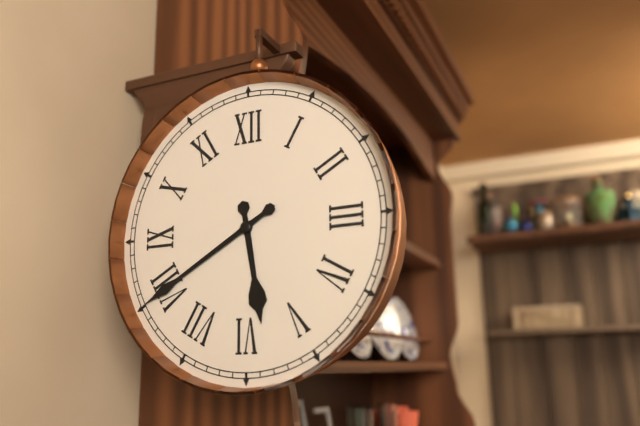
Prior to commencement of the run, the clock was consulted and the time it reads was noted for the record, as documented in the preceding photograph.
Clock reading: 5:40
